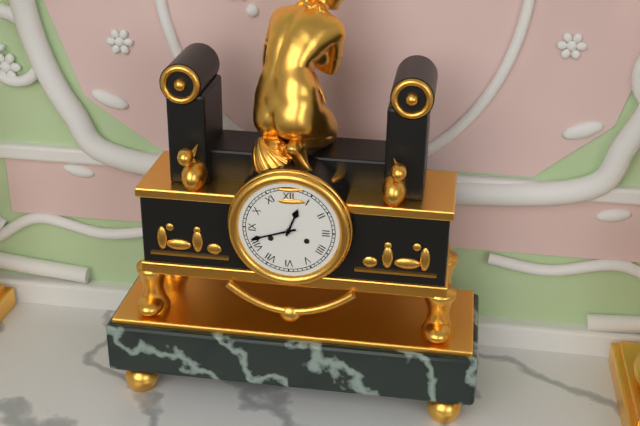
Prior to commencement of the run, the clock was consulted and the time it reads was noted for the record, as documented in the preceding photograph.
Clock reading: 12:42
